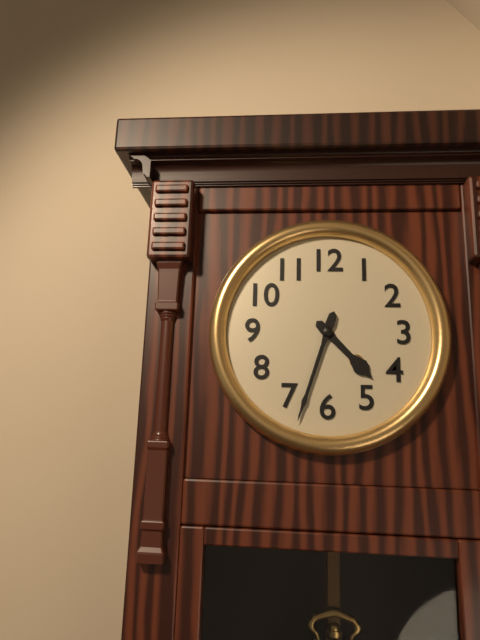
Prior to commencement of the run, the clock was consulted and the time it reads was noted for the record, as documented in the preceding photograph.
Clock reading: 4:33
